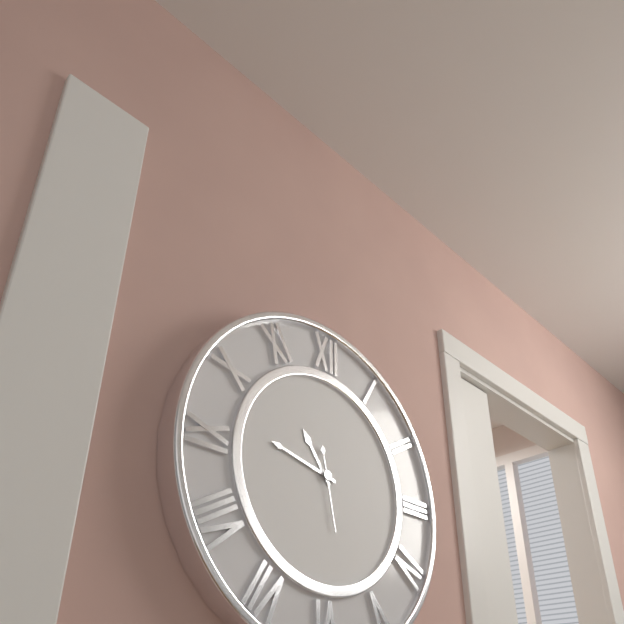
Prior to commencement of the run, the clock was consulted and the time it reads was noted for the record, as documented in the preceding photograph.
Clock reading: 10:47:28
